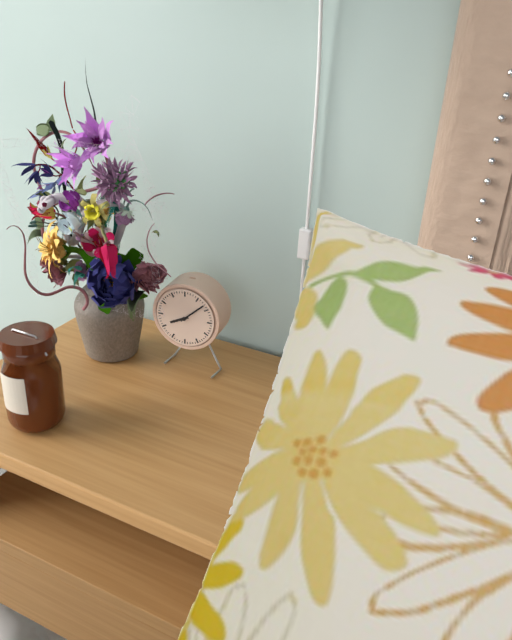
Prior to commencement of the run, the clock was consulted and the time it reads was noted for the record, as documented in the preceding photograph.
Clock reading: 8:08
